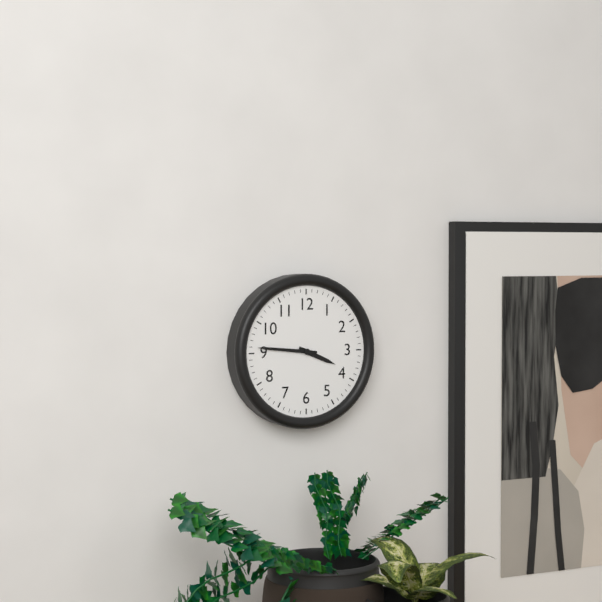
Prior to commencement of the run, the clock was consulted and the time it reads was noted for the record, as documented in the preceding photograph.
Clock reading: 3:46
